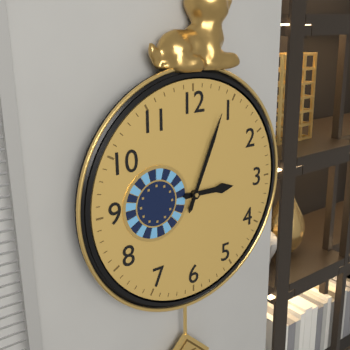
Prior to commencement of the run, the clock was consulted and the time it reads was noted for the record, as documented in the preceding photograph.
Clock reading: 3:04
